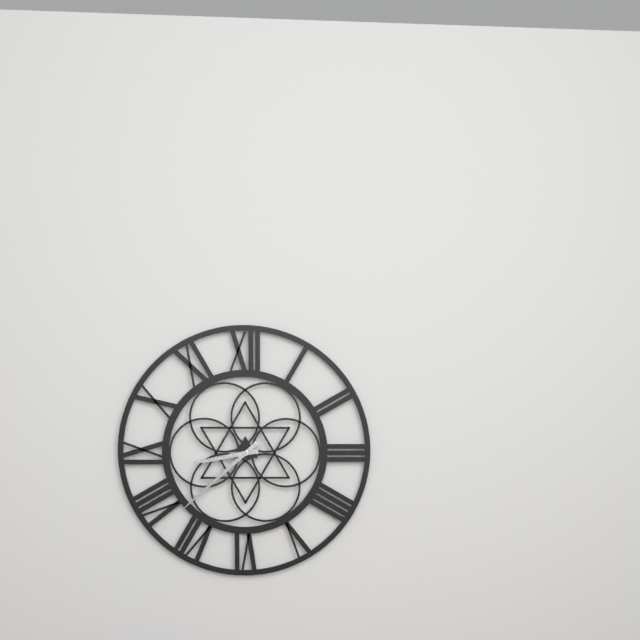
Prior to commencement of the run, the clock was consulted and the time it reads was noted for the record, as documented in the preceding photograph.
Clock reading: 8:38
